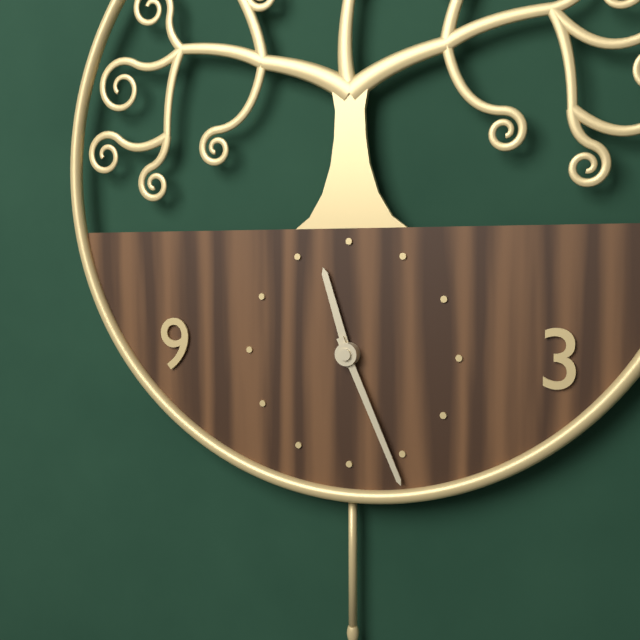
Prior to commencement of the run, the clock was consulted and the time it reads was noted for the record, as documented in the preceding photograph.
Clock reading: 11:26
